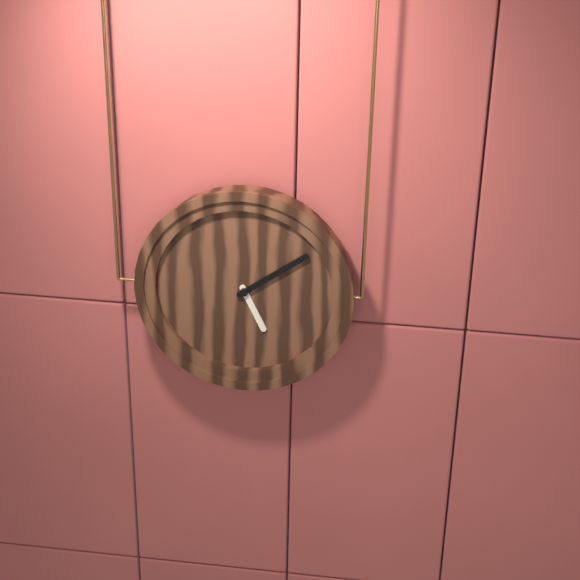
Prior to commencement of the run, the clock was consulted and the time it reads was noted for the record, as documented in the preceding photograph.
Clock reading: 5:09
